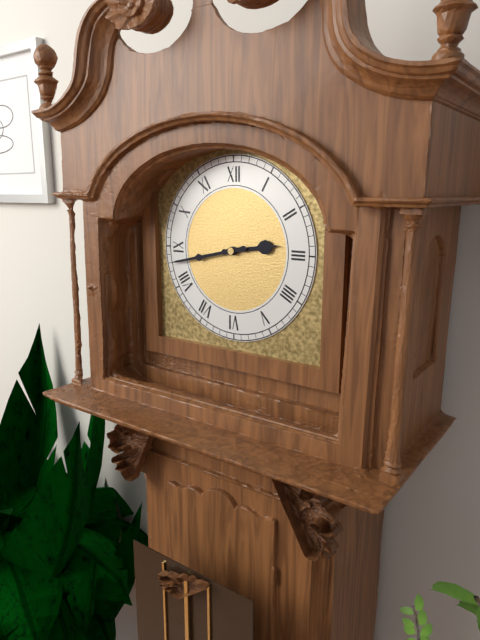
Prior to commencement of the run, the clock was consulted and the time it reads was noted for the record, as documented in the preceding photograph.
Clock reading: 2:43
